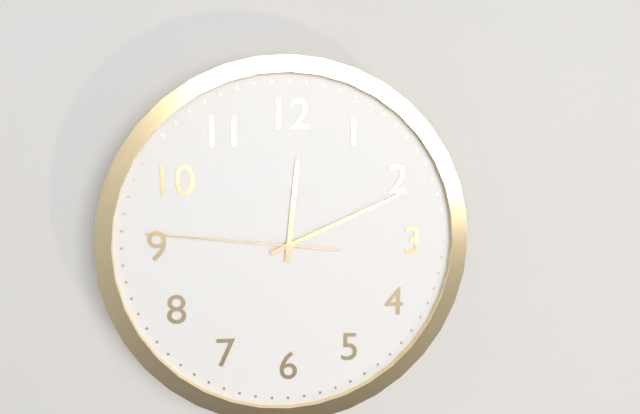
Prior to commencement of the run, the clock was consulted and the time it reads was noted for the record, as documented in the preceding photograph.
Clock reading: 12:11:46
